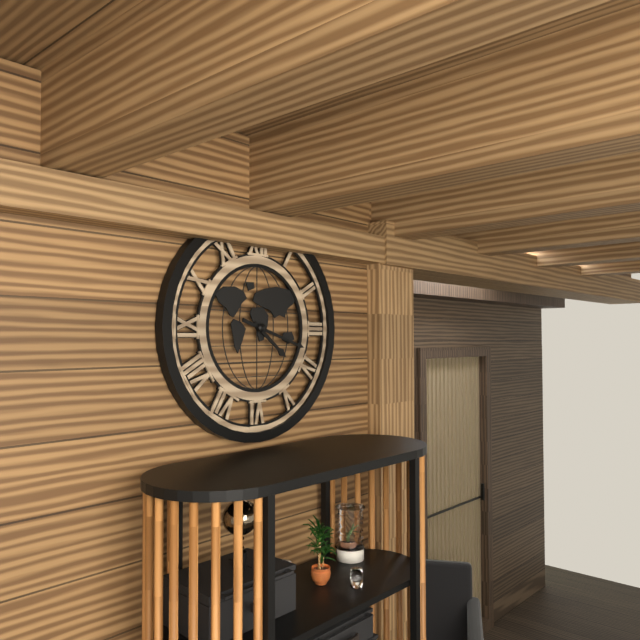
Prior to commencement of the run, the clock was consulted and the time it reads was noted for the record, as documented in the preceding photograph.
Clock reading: 4:18
